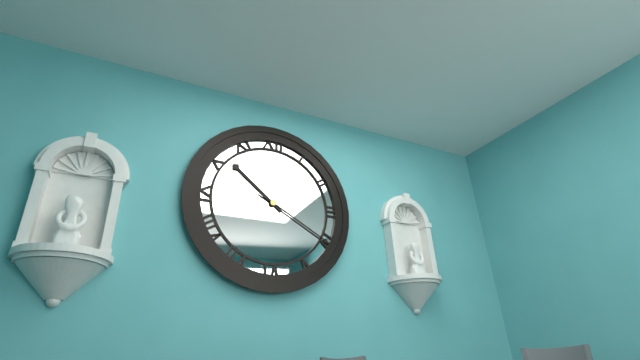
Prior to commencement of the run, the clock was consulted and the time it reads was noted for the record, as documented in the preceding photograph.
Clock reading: 10:20
